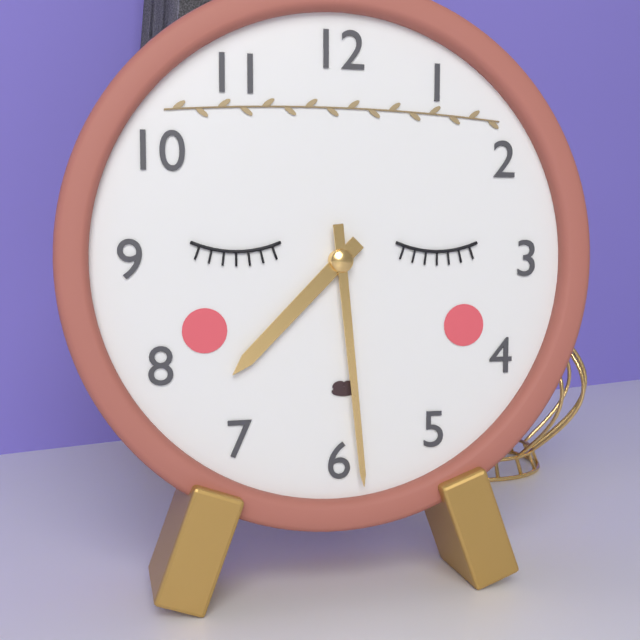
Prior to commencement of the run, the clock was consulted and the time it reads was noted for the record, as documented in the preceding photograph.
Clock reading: 7:29
